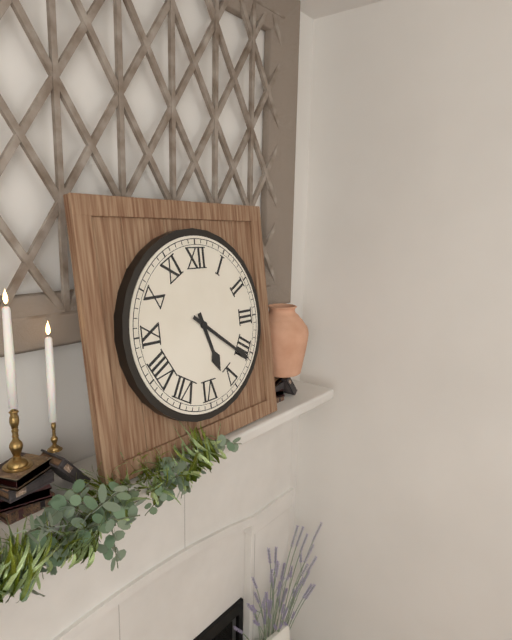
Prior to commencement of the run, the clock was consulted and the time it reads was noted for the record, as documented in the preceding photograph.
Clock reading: 5:21
